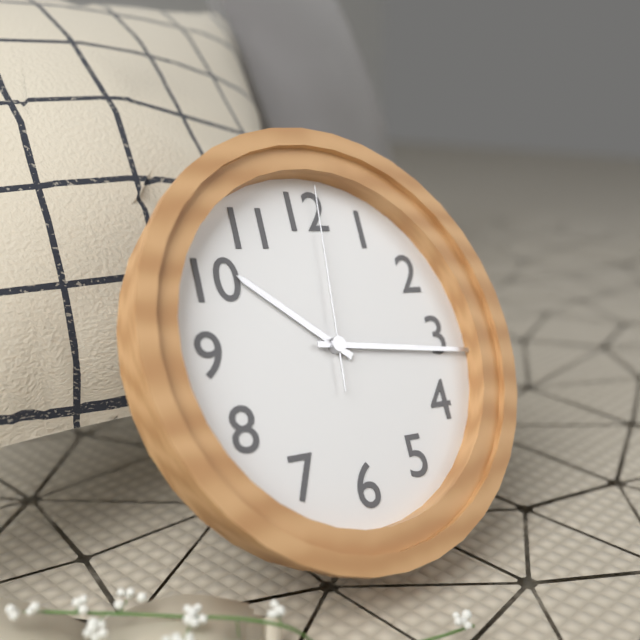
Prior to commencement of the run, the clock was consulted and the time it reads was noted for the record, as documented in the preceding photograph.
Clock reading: 10:16:01
